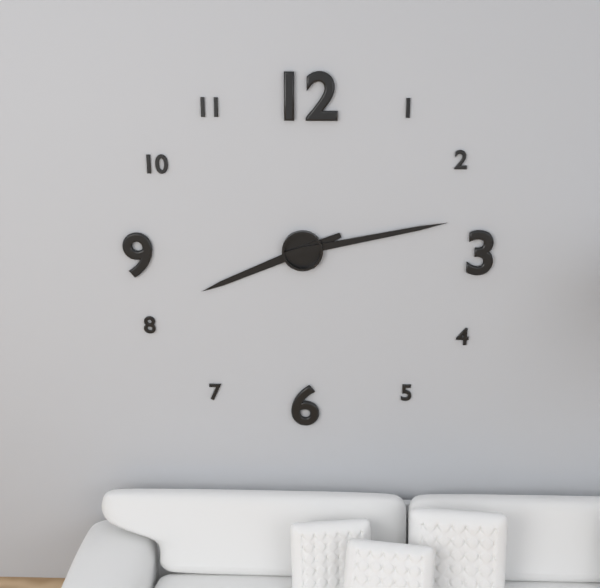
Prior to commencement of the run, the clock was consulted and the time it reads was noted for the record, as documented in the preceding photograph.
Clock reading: 8:13
